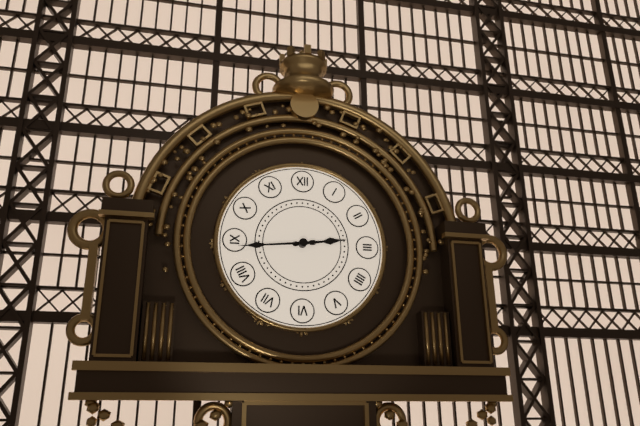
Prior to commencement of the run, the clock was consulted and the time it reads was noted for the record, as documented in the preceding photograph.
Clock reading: 2:44
